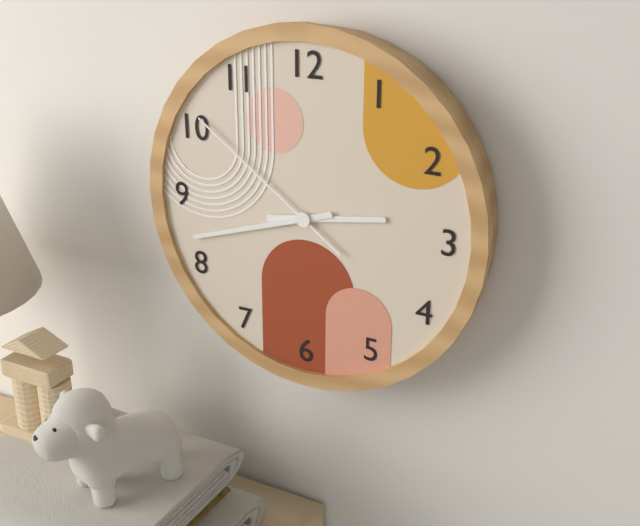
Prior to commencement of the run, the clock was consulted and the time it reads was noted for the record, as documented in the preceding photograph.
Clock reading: 2:42:51
